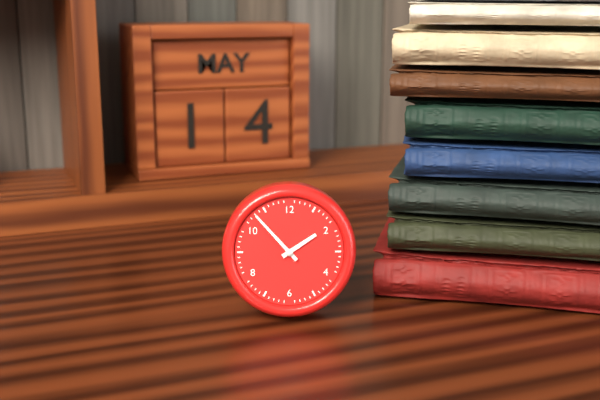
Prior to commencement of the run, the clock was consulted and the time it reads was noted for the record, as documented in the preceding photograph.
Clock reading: 1:53
